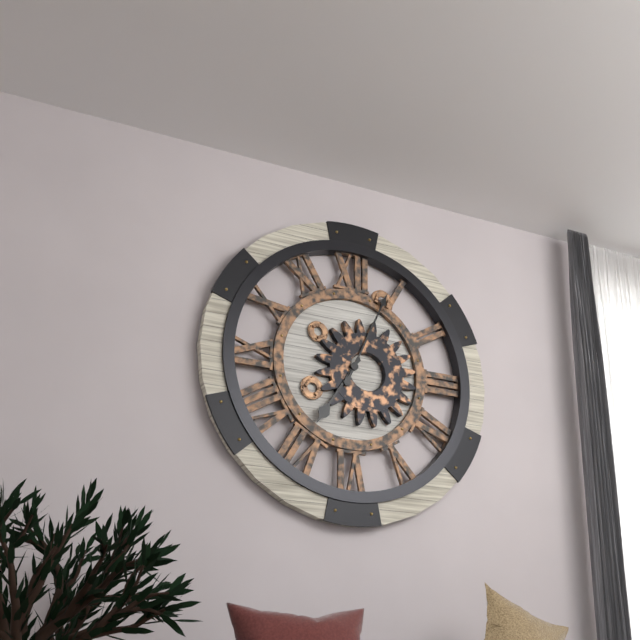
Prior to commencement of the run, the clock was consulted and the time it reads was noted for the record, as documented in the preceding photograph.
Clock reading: 7:04
